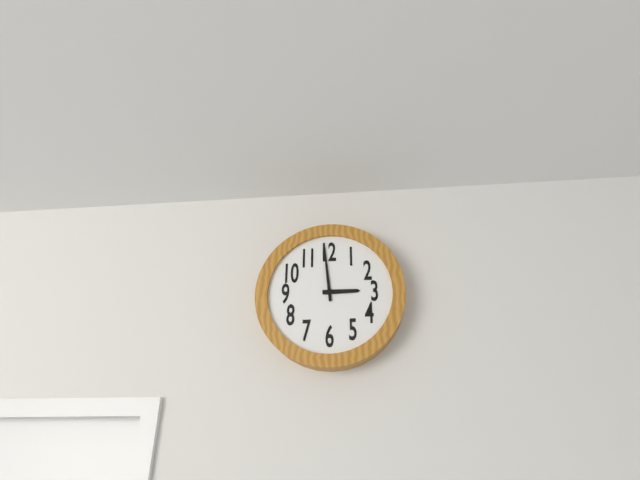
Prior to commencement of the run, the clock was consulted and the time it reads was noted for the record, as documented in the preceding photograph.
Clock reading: 2:59
